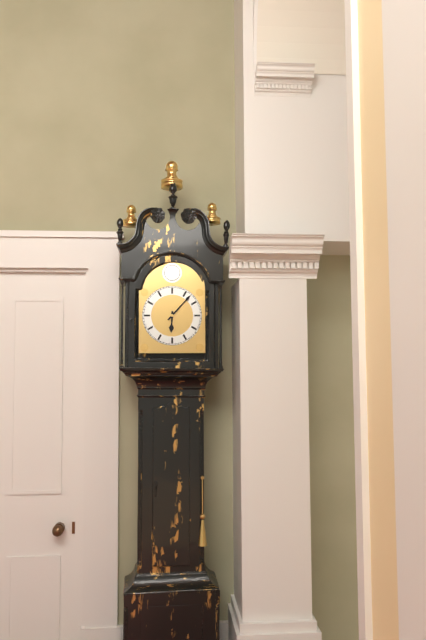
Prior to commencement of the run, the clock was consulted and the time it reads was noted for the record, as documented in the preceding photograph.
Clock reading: 6:07
